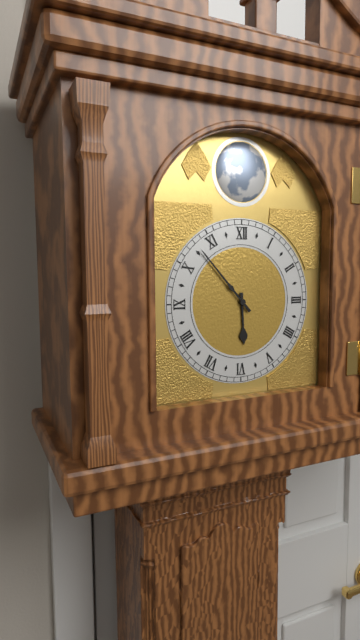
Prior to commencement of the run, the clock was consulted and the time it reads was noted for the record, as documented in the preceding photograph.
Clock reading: 5:53
